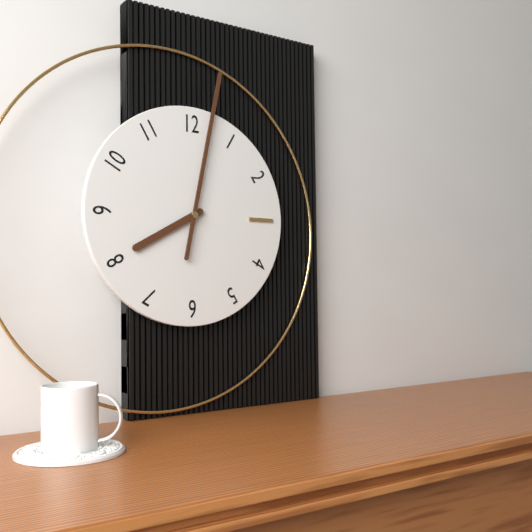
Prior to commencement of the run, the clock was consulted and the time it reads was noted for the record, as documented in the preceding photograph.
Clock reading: 8:02
